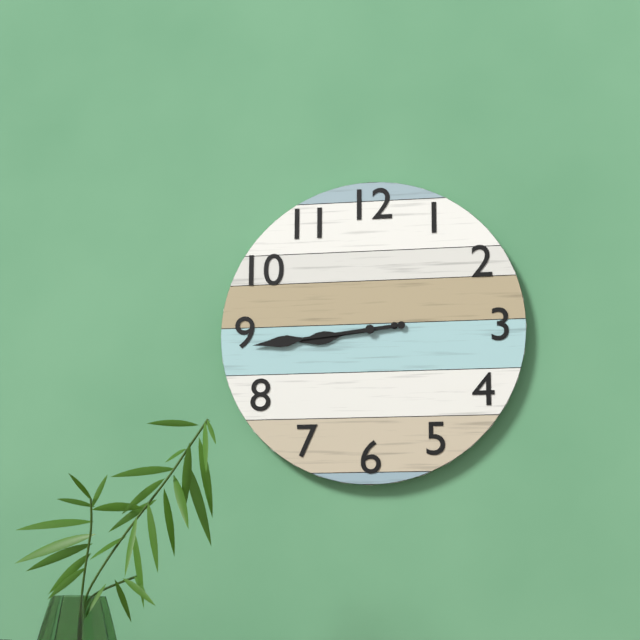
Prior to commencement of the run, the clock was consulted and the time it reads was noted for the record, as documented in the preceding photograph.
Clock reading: 8:44
